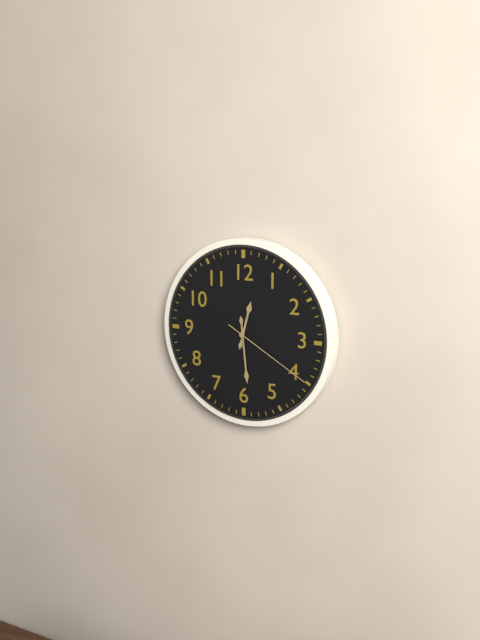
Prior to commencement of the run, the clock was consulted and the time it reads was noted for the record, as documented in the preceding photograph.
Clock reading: 12:29:20
